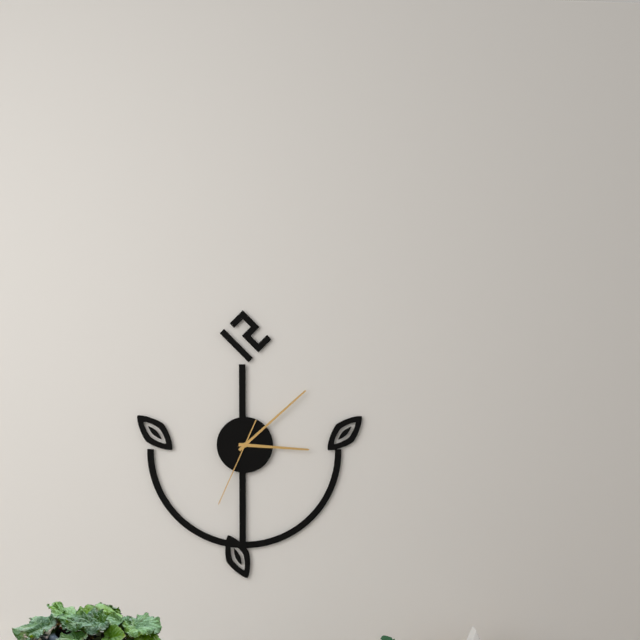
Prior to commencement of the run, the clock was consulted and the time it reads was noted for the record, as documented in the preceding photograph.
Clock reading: 3:08:34
